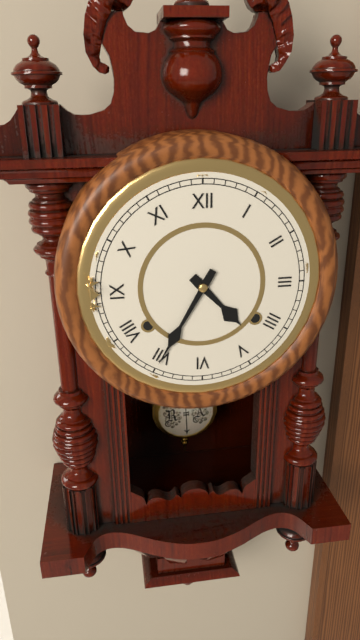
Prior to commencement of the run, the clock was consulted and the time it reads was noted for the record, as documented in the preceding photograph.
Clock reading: 4:35
